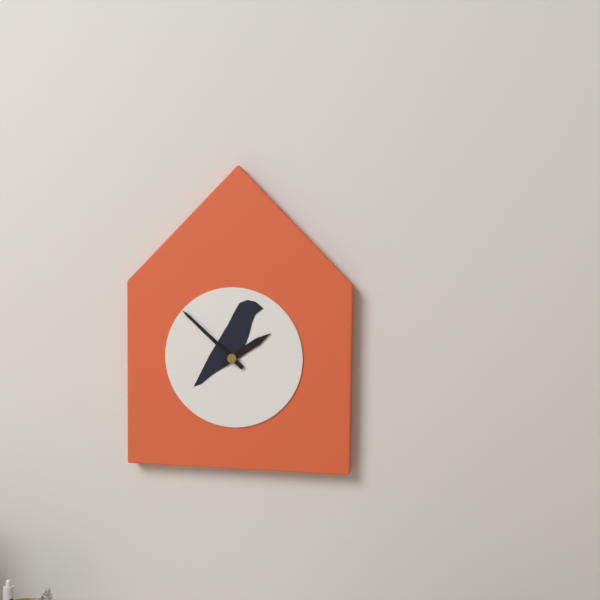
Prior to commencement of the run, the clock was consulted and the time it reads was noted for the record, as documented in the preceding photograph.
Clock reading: 1:52
